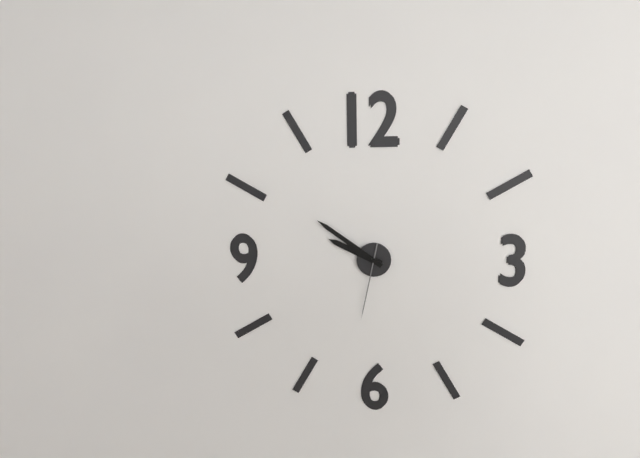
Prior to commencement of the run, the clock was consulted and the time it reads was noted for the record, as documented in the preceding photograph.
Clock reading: 9:51:32
